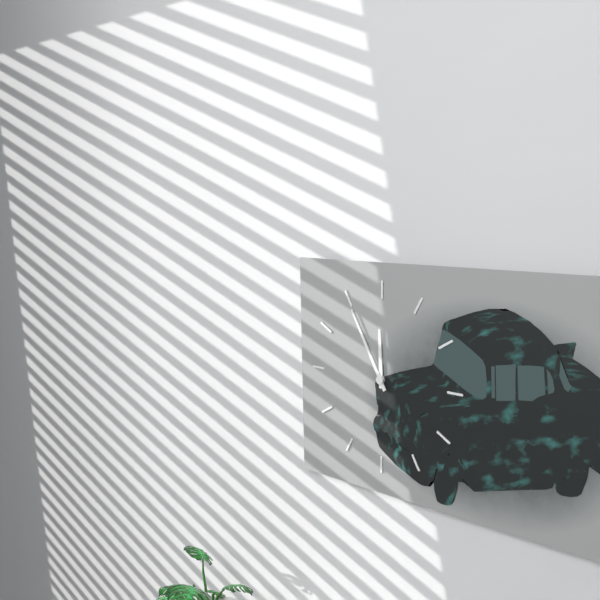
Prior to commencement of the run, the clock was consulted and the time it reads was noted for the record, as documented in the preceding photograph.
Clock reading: 11:55
